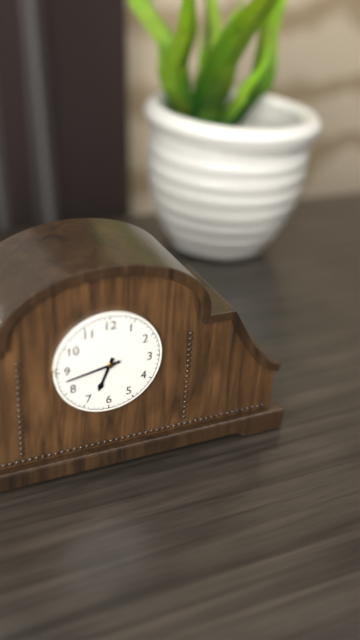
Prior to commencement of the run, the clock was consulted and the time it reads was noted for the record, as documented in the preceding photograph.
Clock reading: 6:43
